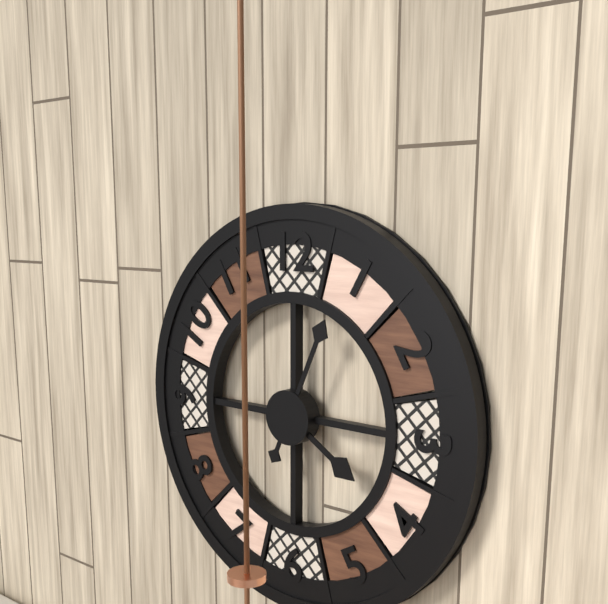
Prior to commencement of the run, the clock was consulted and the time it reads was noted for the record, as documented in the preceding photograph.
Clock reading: 4:04
